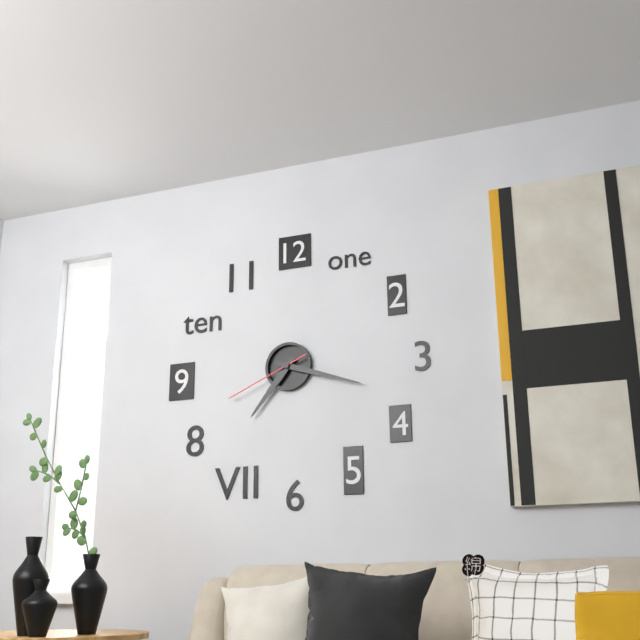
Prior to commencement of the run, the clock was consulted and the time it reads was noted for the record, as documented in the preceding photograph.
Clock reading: 7:18:41
